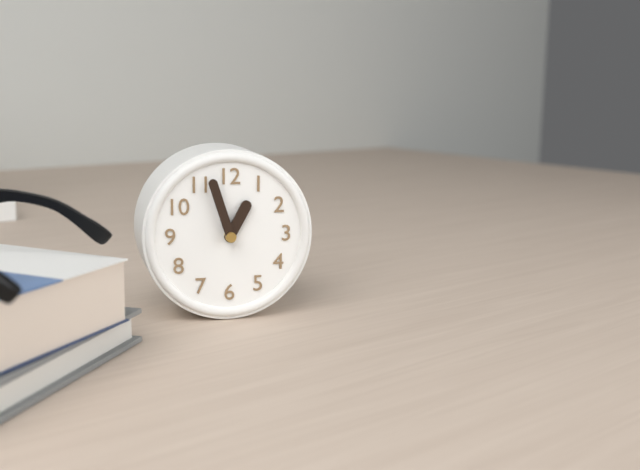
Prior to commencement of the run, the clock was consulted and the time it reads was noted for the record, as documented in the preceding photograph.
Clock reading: 12:57
